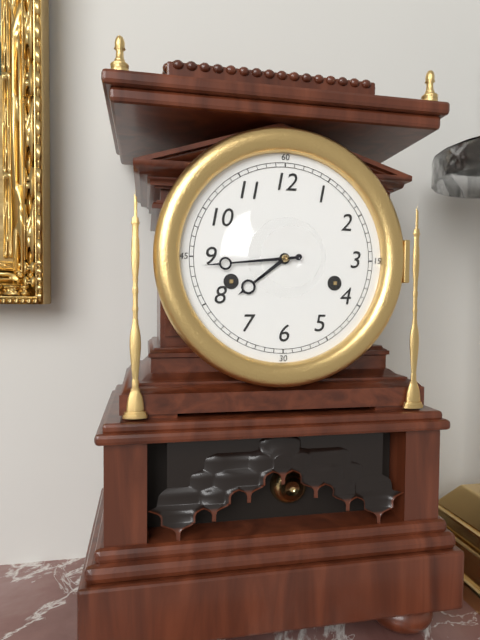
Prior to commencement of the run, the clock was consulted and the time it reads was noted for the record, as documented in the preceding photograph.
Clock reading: 7:44
